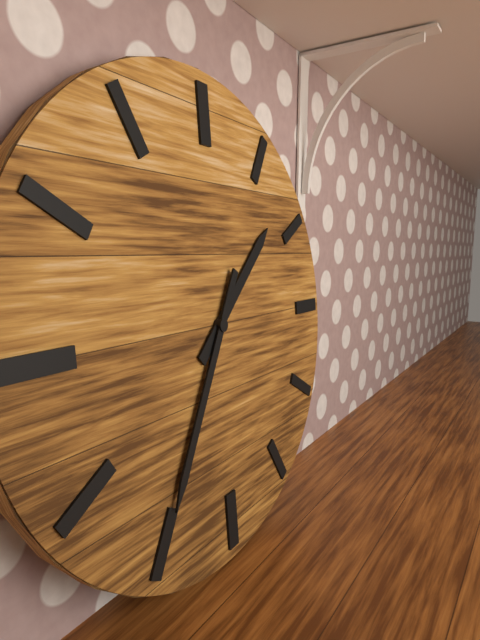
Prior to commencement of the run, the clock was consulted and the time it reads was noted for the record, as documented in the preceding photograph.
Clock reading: 1:35
